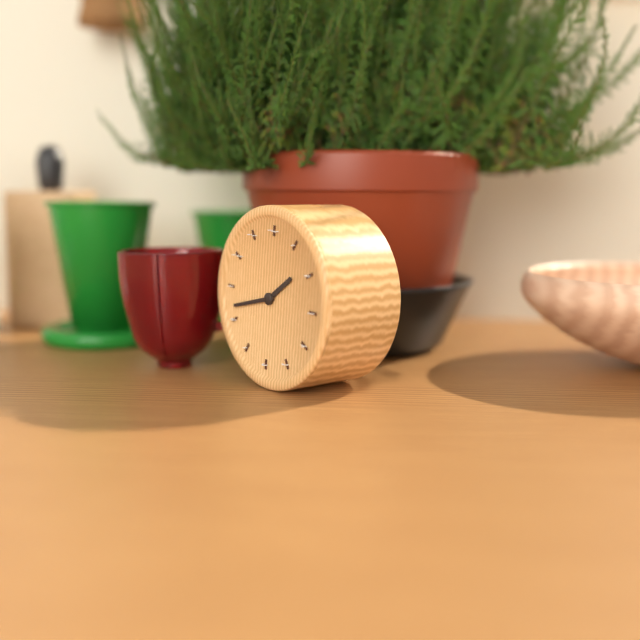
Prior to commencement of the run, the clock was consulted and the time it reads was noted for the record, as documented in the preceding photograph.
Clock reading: 1:42
